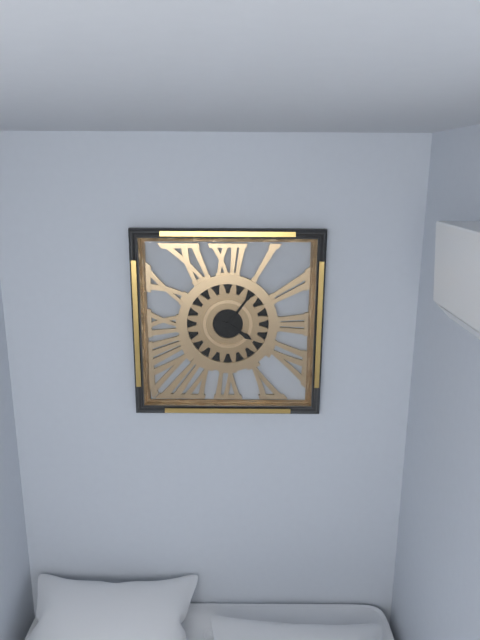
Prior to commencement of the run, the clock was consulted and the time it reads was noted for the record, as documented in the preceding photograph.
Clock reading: 4:06
